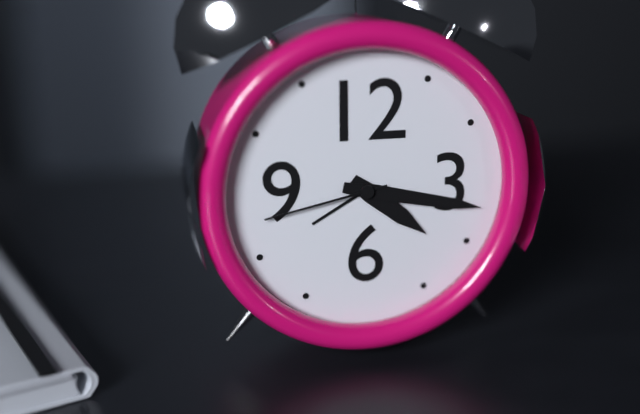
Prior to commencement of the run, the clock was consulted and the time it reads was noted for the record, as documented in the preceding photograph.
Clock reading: 4:17:43
